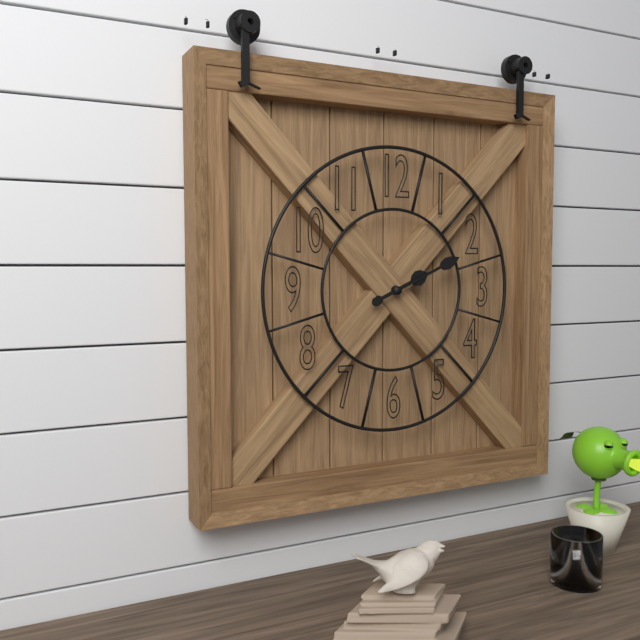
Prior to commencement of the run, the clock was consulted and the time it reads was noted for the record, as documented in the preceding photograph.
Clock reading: 2:11
